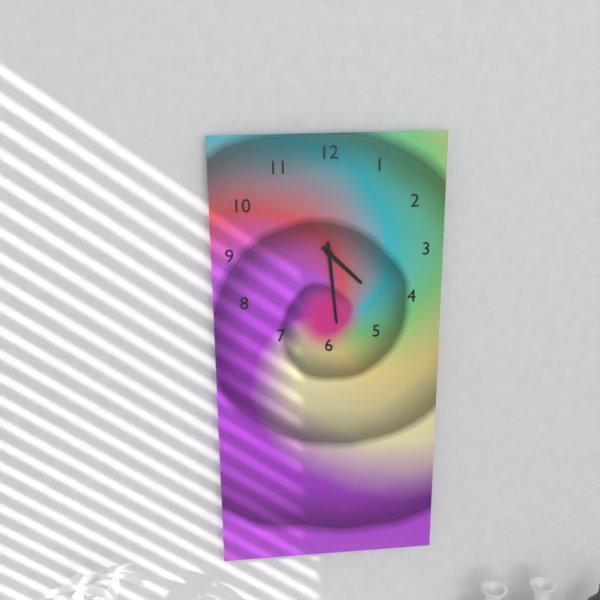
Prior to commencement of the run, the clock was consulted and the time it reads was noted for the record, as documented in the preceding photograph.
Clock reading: 4:29
